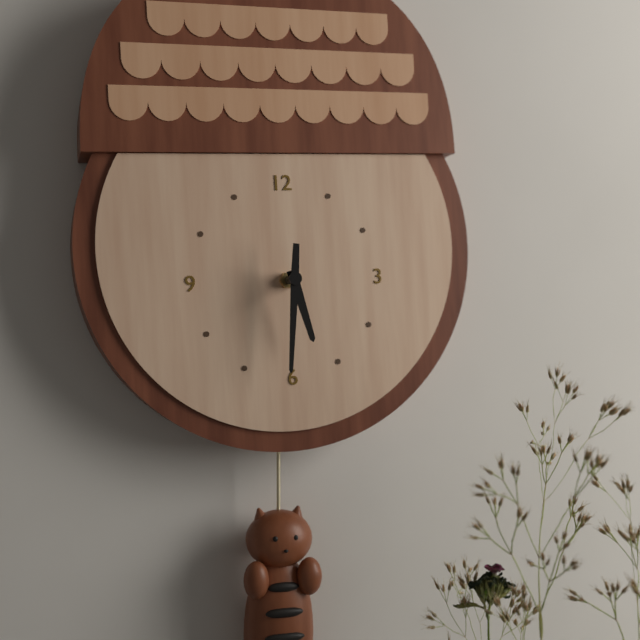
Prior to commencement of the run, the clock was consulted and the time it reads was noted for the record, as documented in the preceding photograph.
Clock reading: 5:31
